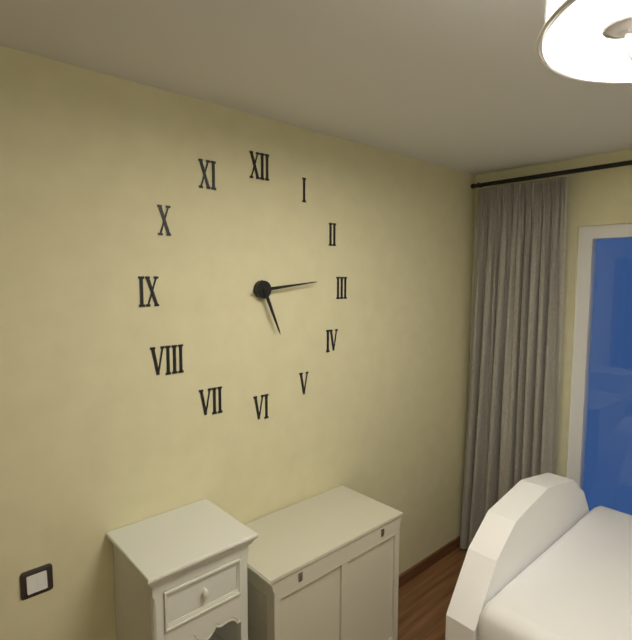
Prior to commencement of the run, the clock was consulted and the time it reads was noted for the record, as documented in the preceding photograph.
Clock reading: 5:14
